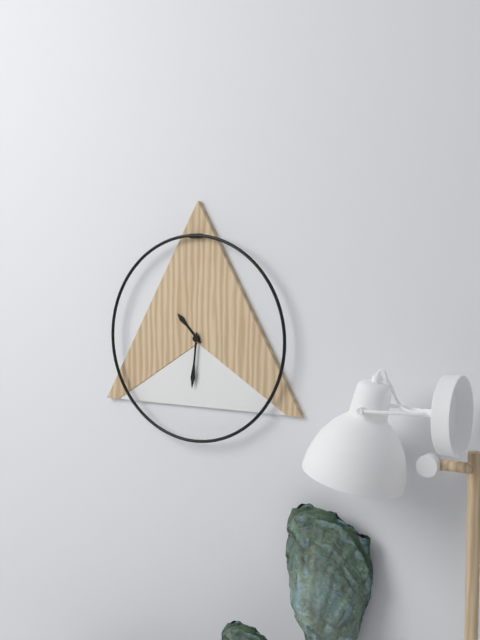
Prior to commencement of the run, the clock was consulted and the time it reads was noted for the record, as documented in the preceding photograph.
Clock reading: 10:31
